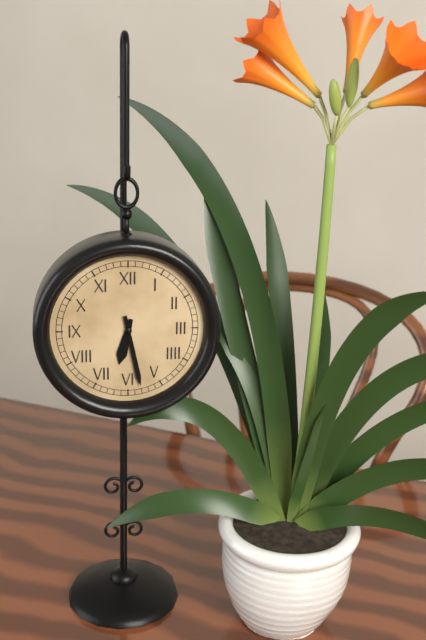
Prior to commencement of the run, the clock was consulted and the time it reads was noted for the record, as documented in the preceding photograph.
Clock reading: 6:28
